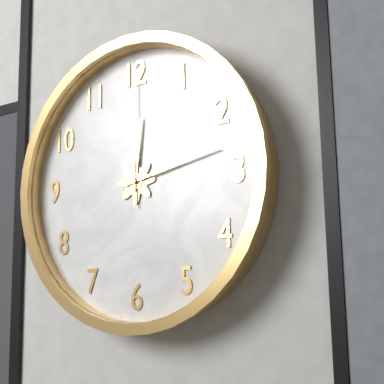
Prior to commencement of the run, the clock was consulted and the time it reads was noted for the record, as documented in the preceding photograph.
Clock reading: 12:13:00
